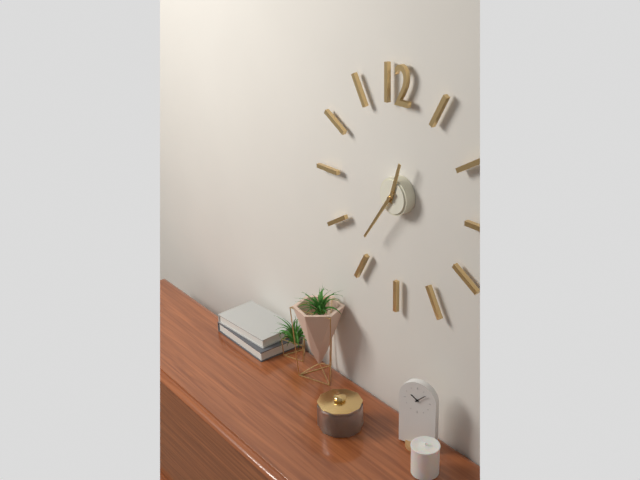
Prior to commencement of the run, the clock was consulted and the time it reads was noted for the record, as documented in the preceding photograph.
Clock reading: 12:36
